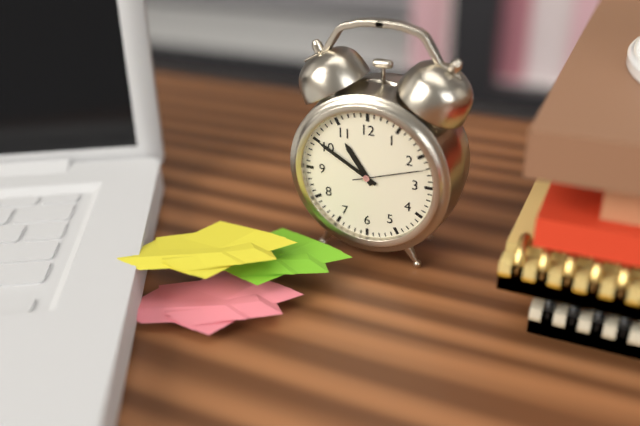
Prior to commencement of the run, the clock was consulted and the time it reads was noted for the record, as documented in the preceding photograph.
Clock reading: 10:50:12
